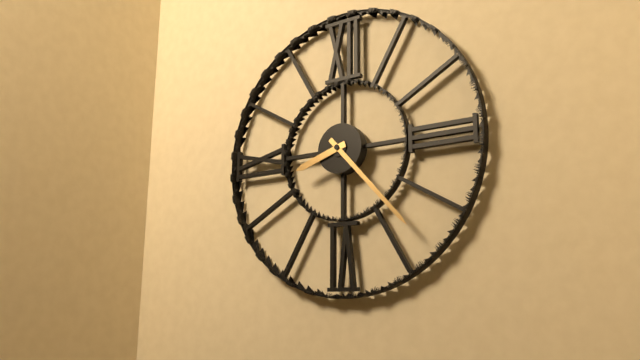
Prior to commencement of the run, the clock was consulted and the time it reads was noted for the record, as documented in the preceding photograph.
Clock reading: 8:23
